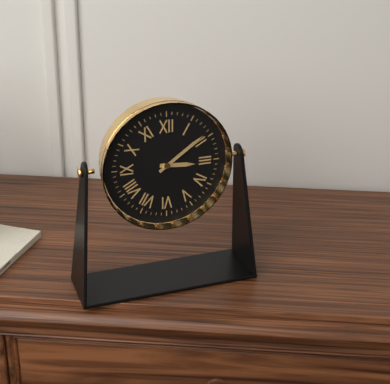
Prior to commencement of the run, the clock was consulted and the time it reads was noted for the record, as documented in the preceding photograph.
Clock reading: 3:09
